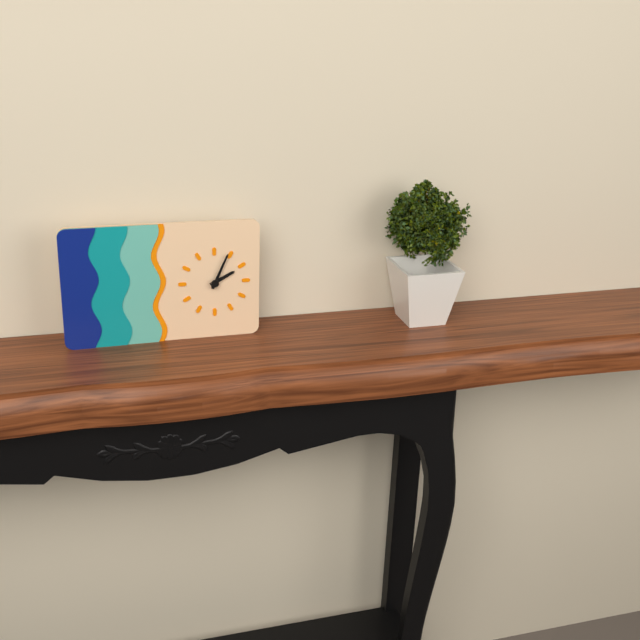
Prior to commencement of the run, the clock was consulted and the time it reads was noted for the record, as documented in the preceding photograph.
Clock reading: 2:04
